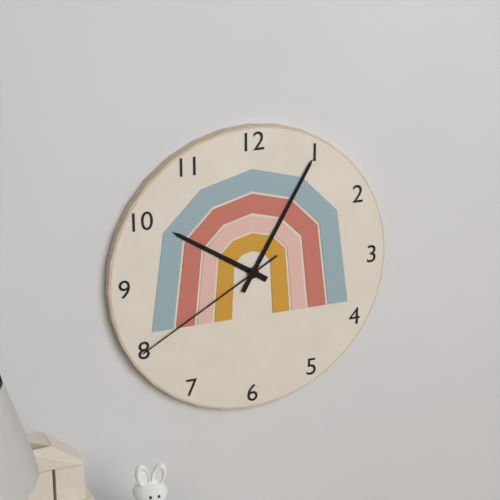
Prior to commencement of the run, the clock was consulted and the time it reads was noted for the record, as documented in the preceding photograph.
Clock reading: 10:05:40
